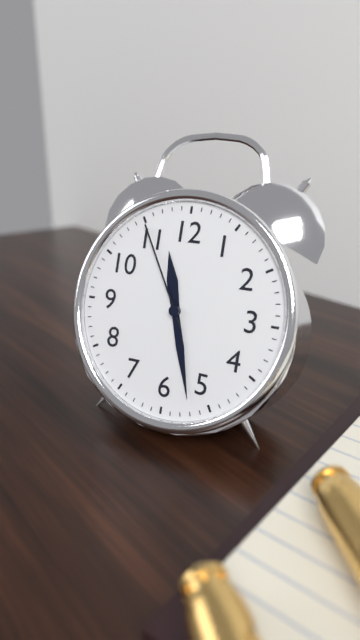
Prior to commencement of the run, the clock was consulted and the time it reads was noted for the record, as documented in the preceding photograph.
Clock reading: 11:27:55
